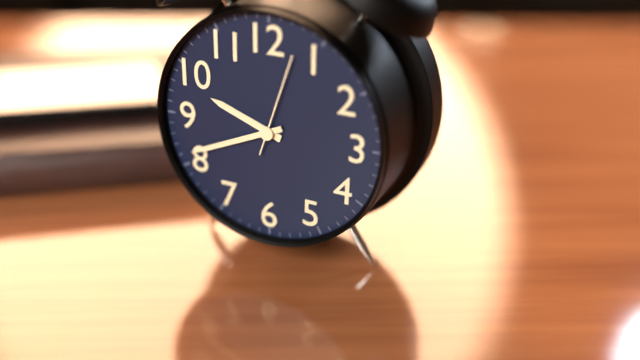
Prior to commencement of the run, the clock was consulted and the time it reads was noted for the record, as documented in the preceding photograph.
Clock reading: 9:41:03
